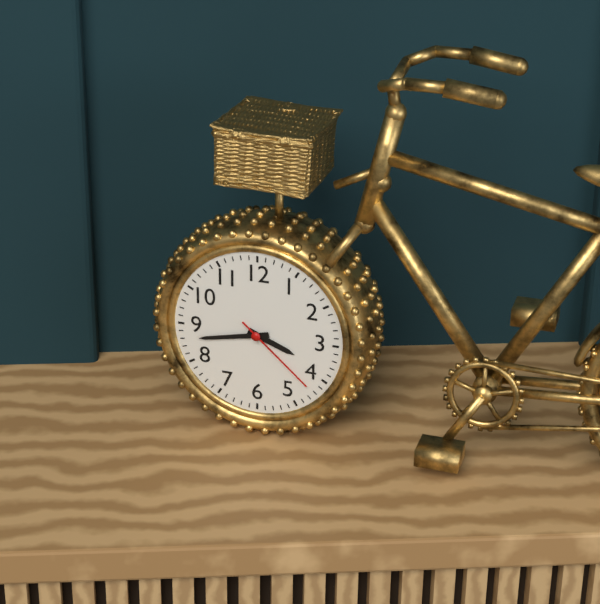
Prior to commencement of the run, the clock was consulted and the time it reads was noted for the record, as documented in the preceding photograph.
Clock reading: 3:43:22
